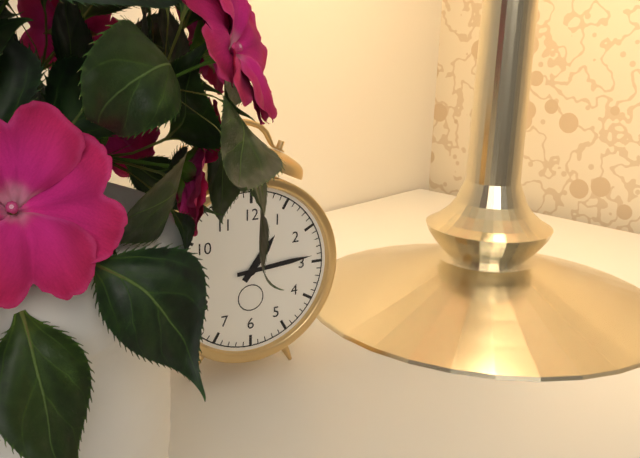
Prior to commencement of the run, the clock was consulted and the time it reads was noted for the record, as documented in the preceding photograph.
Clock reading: 1:14
